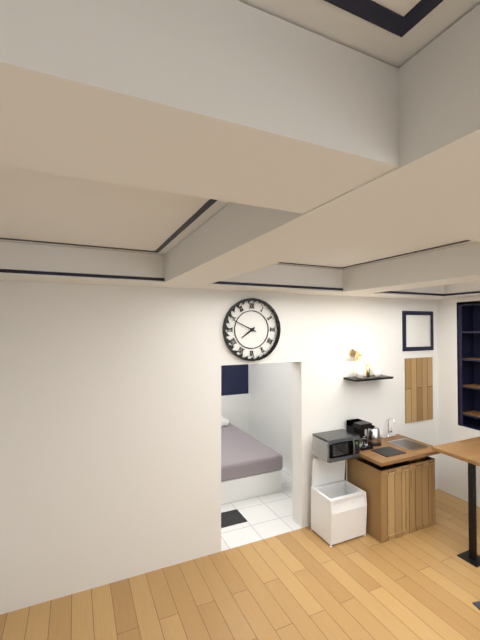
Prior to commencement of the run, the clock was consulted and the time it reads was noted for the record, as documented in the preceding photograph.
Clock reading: 7:49
